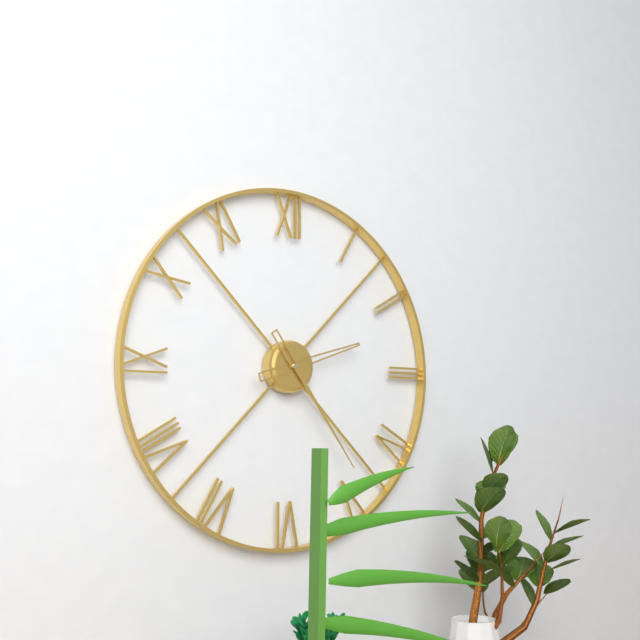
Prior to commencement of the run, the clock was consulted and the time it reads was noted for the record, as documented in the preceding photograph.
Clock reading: 2:24
